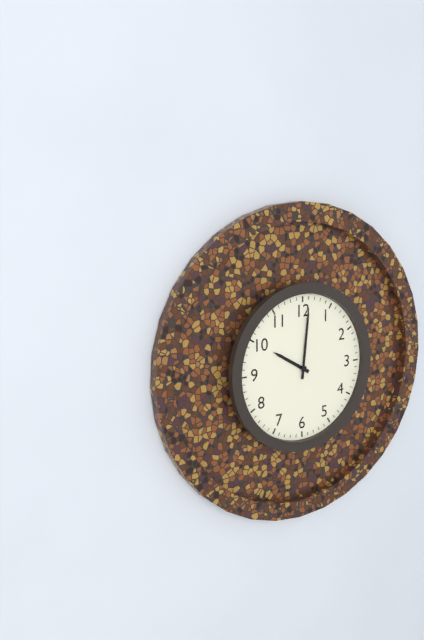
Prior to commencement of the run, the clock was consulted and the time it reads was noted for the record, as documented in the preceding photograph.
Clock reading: 10:01
